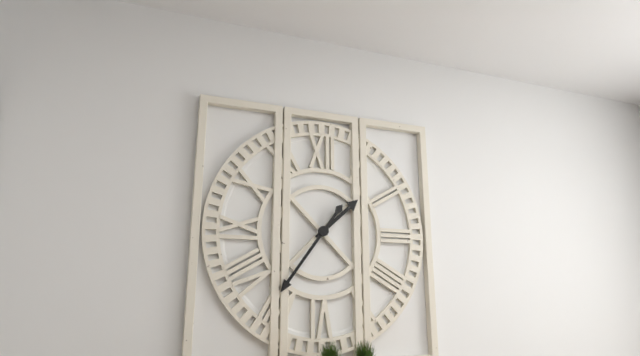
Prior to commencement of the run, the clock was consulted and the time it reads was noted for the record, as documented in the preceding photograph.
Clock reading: 1:36
